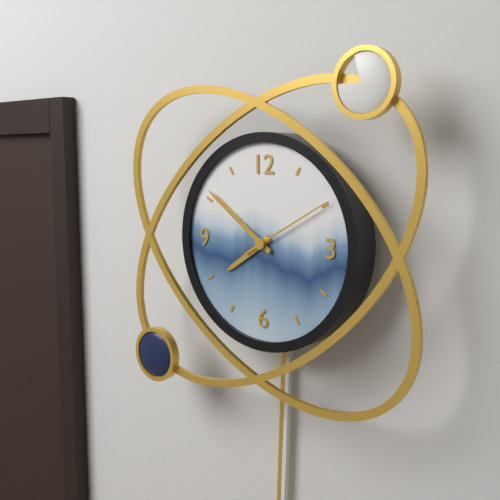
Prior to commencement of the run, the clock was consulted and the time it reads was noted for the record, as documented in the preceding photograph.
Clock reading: 7:51:10
